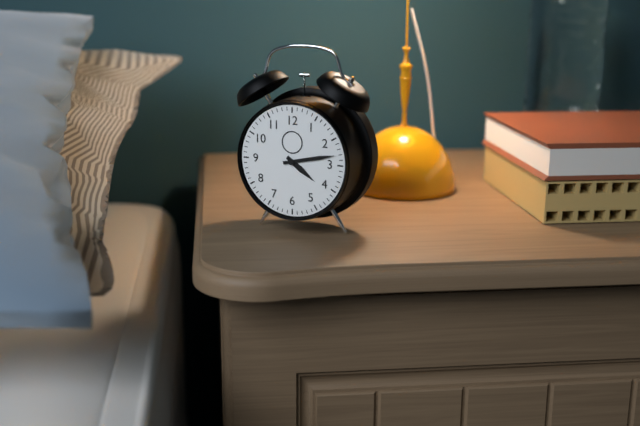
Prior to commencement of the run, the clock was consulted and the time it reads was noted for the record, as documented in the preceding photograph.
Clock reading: 4:13
